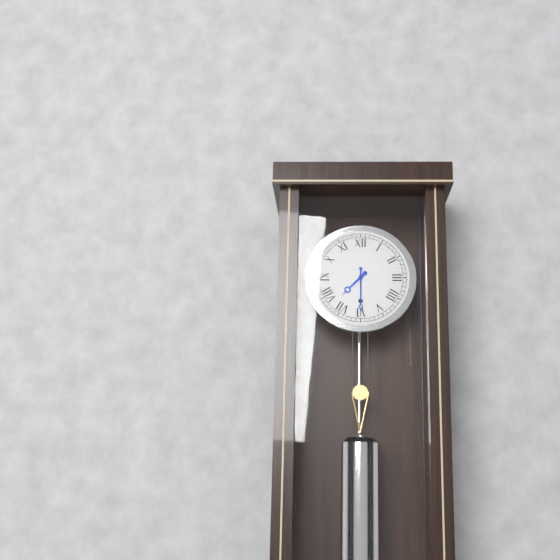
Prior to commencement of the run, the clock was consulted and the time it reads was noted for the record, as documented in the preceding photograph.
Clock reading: 7:30
